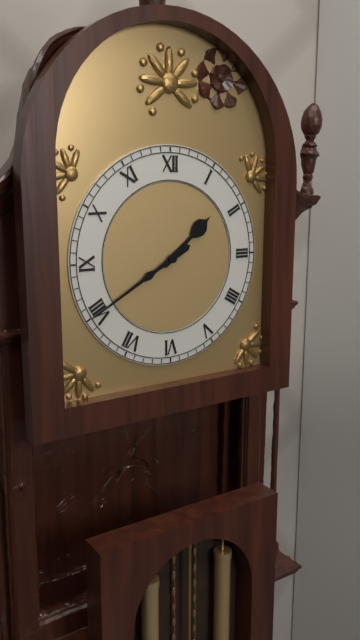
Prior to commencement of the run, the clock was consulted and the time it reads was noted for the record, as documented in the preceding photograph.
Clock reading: 1:40
